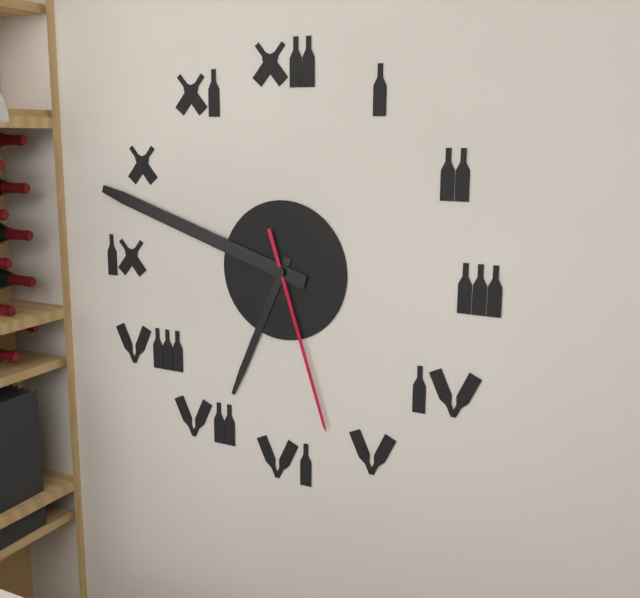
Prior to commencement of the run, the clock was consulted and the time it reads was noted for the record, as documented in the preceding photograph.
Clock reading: 6:48:27
